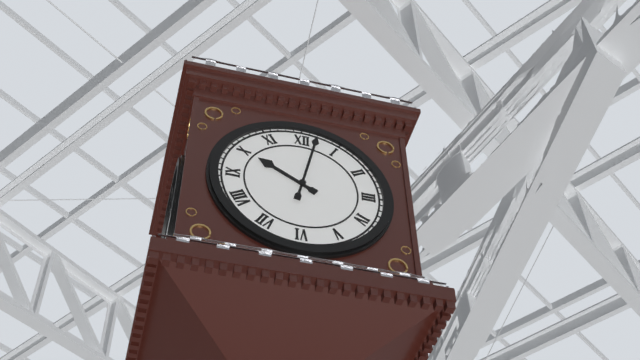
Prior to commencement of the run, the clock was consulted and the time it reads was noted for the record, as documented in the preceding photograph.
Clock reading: 10:02
